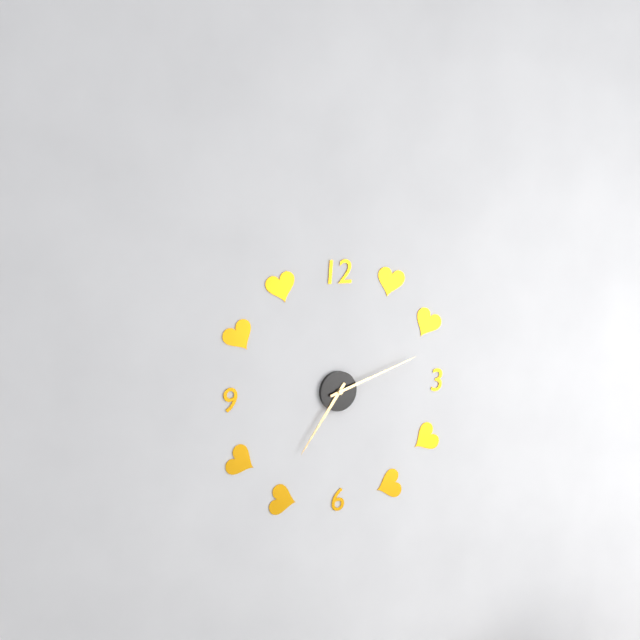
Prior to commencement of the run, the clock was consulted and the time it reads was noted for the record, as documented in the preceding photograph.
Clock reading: 7:12
